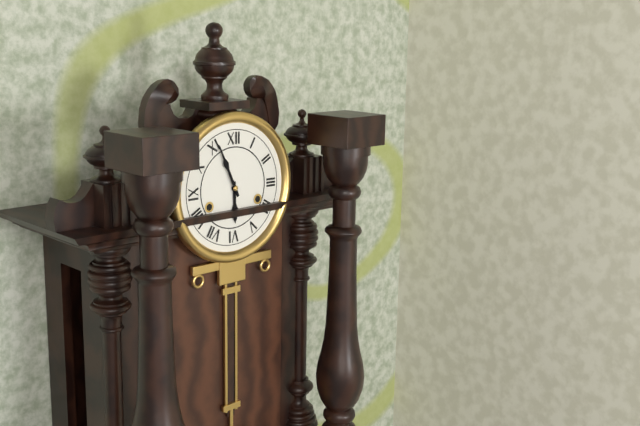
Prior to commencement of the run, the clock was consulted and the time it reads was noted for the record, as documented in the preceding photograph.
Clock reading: 5:56
